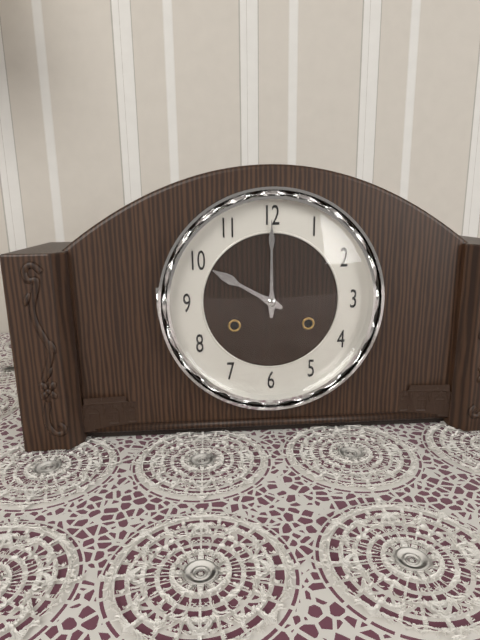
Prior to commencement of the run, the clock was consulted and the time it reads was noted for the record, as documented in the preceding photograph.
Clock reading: 10:00
